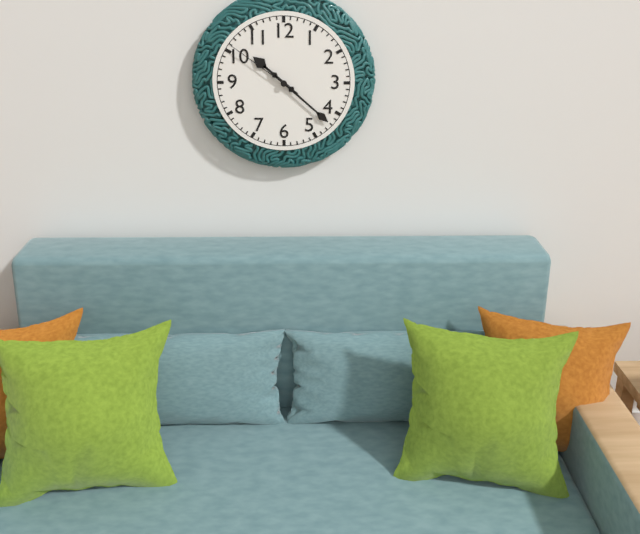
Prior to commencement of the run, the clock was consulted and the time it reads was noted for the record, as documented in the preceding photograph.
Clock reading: 10:22:51
